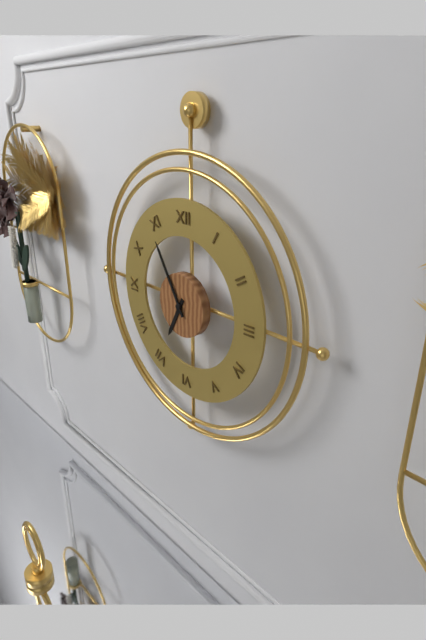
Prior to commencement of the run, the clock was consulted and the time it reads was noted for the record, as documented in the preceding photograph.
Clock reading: 6:55
